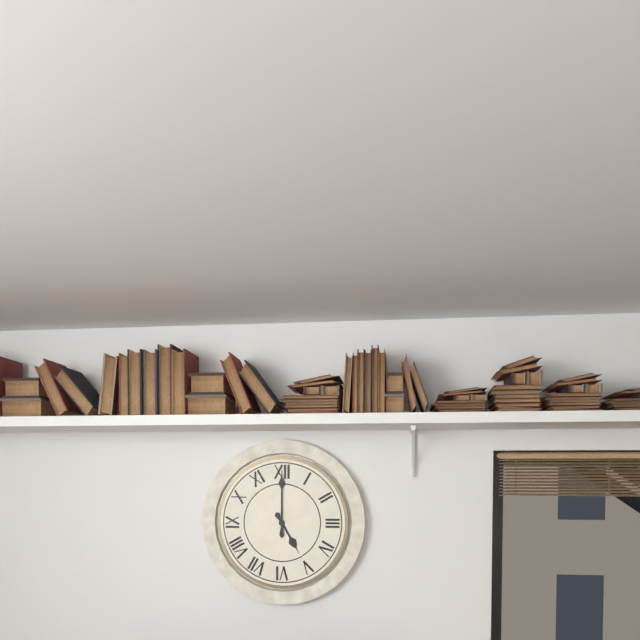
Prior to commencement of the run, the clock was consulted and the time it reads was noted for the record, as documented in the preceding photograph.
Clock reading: 5:00
